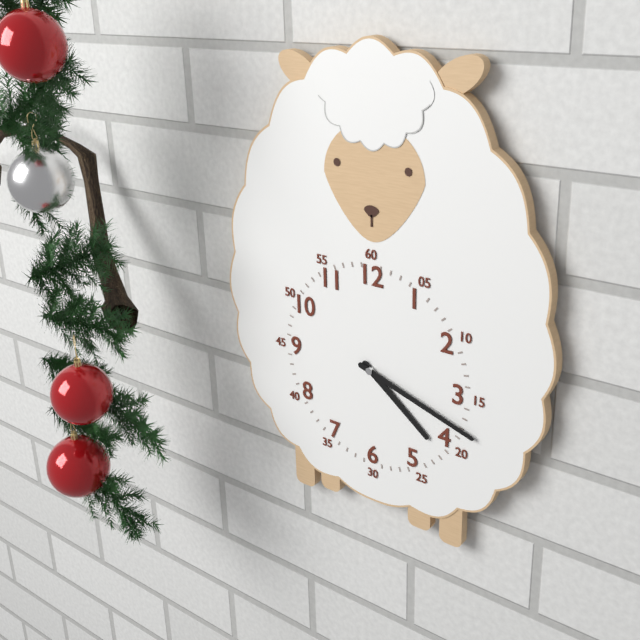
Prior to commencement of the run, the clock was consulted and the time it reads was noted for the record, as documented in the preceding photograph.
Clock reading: 4:18
